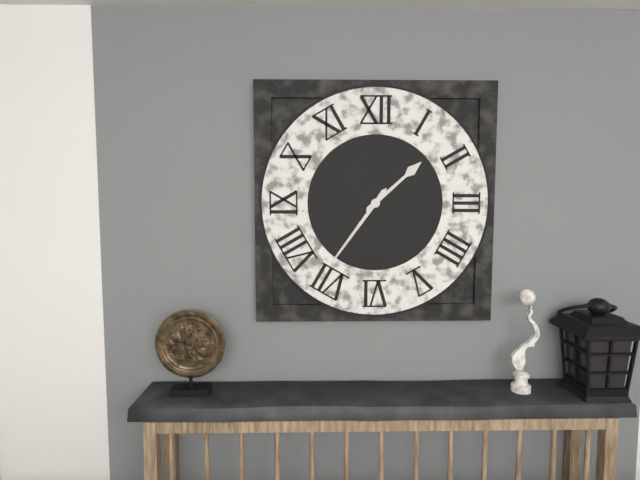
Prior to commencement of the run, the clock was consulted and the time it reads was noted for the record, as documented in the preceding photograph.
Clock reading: 1:36
